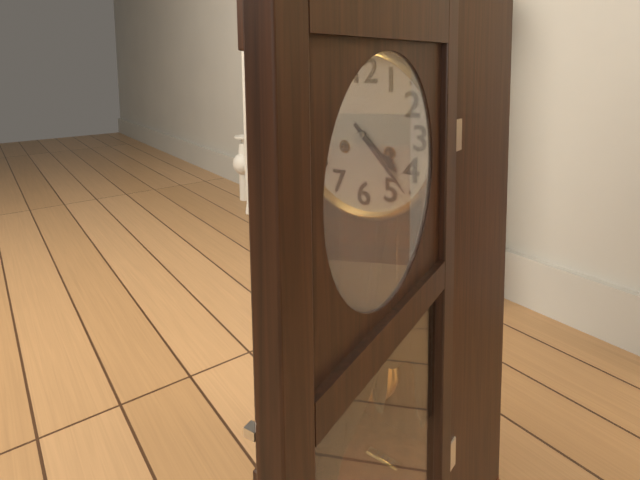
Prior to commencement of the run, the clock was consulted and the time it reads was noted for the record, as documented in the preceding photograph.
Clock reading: 4:23
